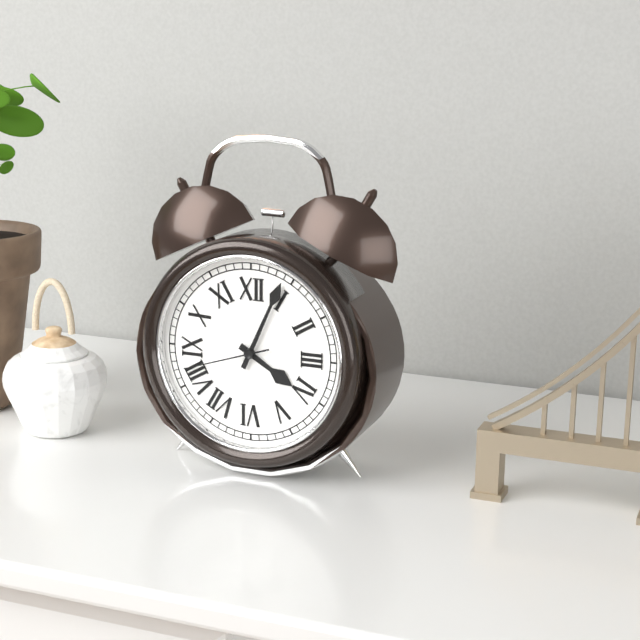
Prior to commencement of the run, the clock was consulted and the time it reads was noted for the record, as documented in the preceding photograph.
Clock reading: 4:04:42
